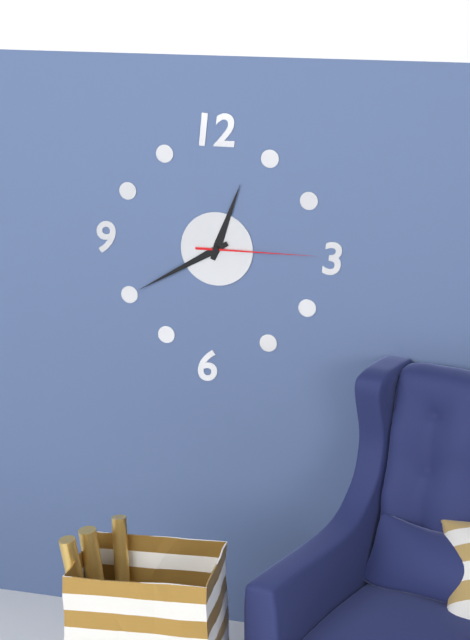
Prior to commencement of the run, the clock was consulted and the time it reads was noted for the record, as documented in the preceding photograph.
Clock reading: 12:40:15
